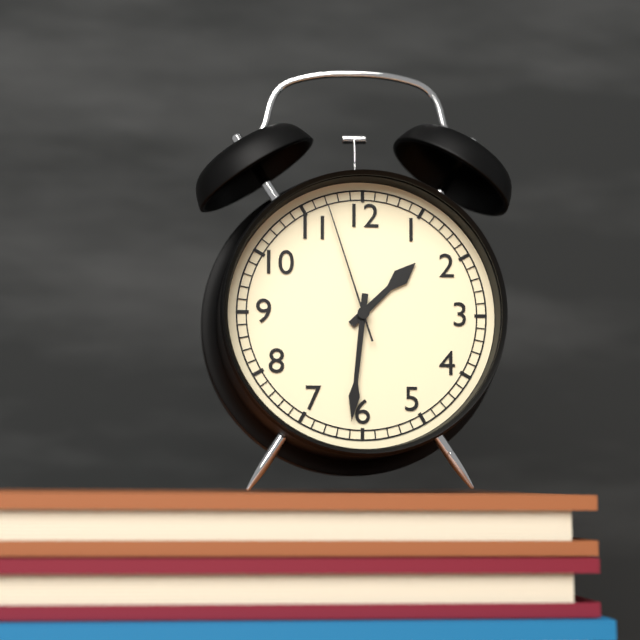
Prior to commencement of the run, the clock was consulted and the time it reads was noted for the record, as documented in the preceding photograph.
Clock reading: 1:31:57
